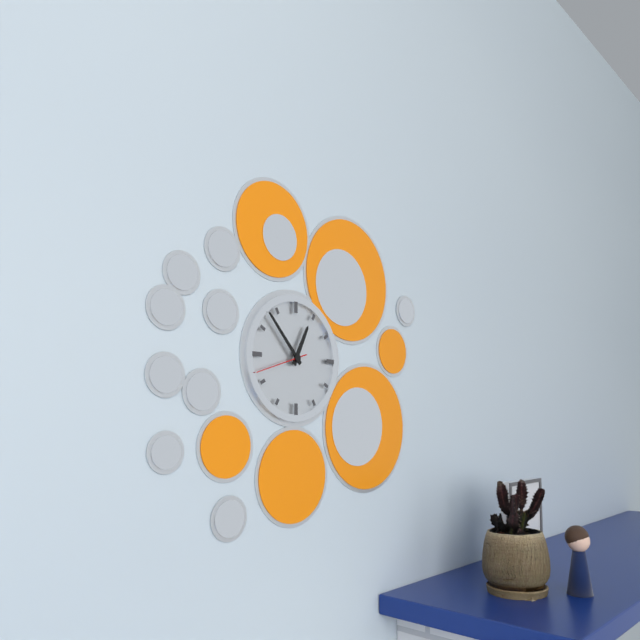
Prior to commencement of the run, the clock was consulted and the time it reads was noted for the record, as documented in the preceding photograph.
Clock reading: 12:53:42
